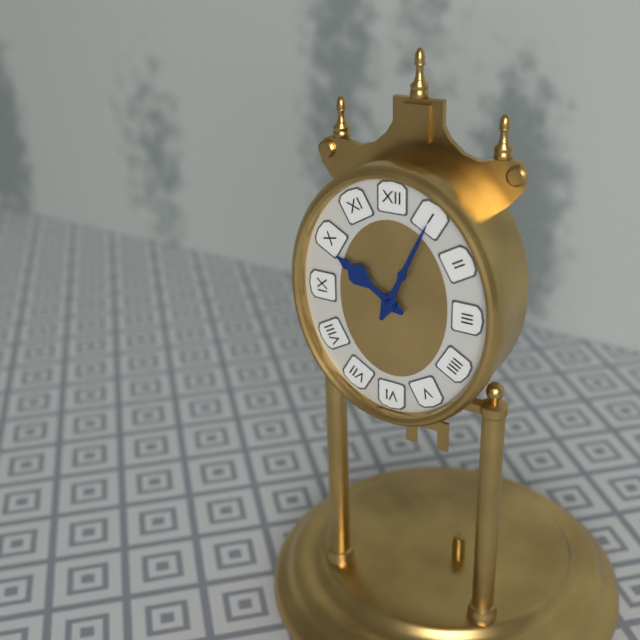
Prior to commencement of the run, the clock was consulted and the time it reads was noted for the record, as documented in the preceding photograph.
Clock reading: 10:04
